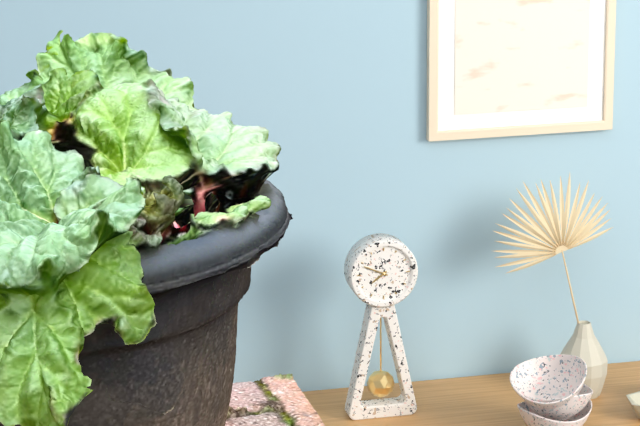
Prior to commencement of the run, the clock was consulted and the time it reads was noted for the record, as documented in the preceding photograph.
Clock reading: 7:49
